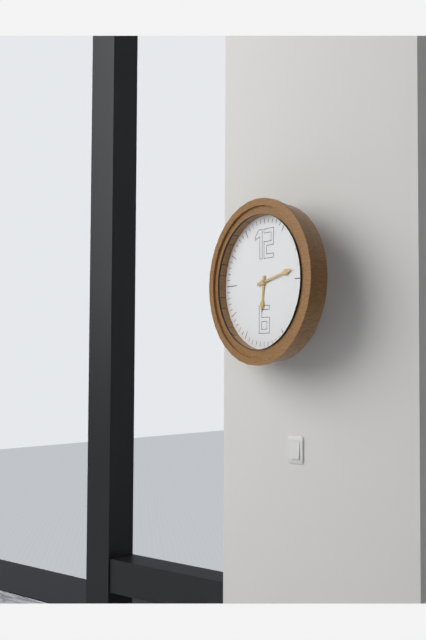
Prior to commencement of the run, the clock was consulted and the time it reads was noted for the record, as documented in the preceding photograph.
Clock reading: 6:13
